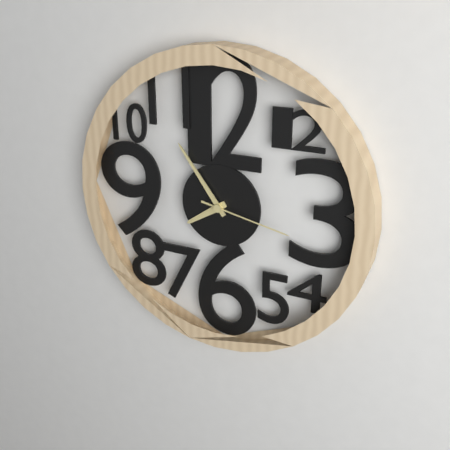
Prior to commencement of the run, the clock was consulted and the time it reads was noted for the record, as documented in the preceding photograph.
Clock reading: 7:54:17
